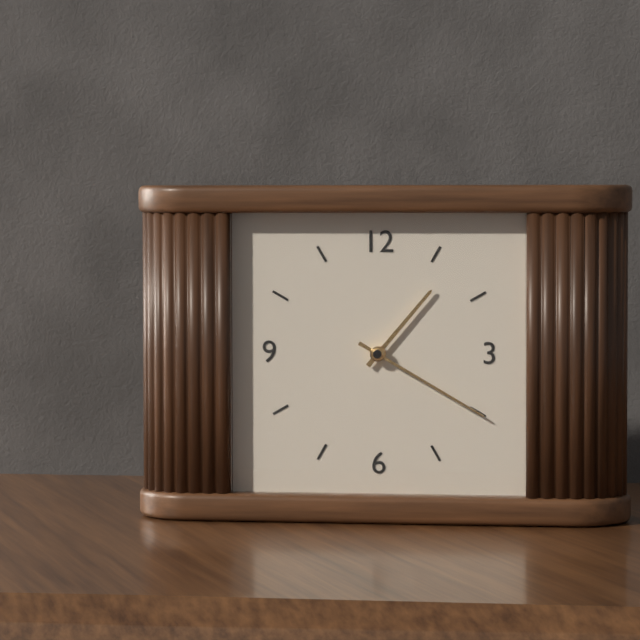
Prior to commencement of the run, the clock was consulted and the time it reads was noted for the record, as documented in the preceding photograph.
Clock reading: 1:20
